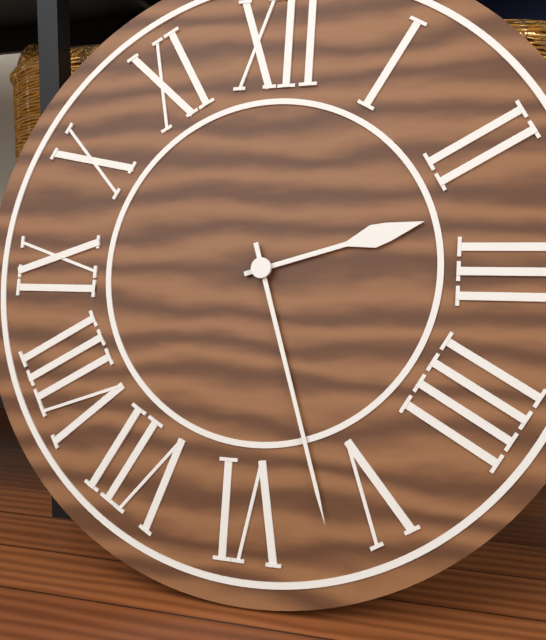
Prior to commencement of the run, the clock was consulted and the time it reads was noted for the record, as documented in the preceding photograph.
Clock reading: 2:27
